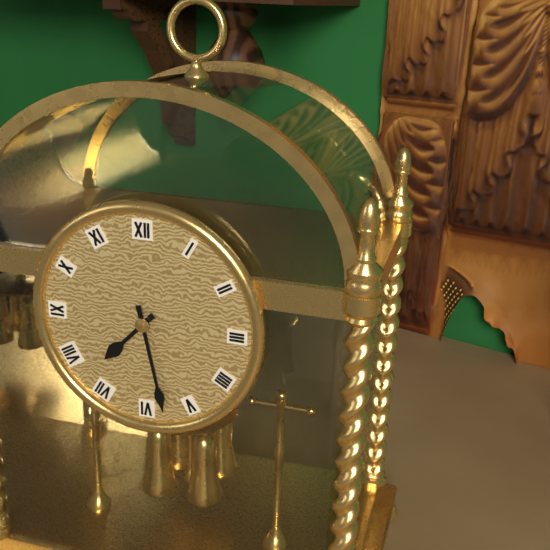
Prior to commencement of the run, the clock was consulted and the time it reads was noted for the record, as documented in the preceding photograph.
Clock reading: 7:28
